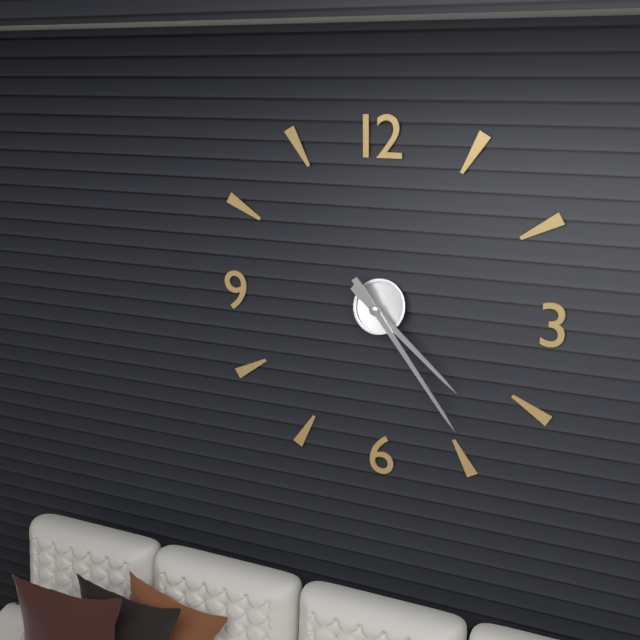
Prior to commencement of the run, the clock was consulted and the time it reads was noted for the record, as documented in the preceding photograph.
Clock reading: 4:24
